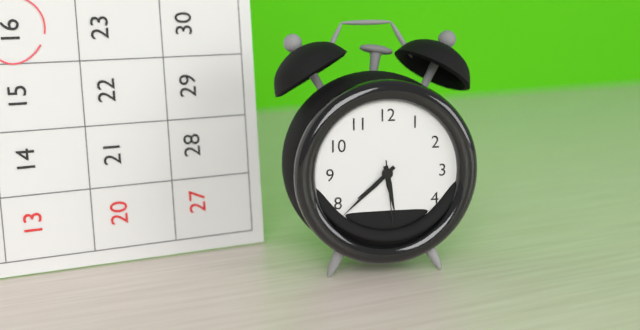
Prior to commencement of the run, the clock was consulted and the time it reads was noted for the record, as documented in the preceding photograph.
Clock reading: 5:38:29
